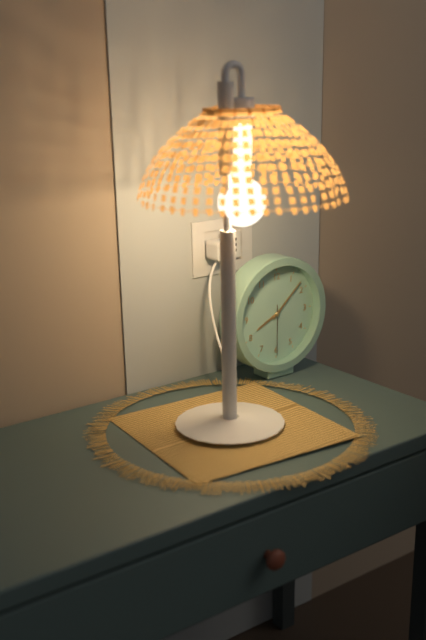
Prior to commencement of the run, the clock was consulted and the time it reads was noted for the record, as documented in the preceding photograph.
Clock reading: 8:08:30
